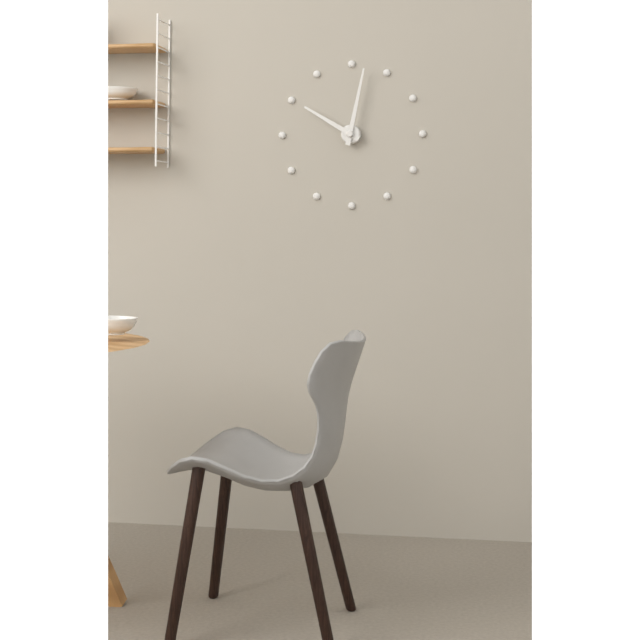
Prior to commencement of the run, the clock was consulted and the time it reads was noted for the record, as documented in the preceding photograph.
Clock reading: 10:02
